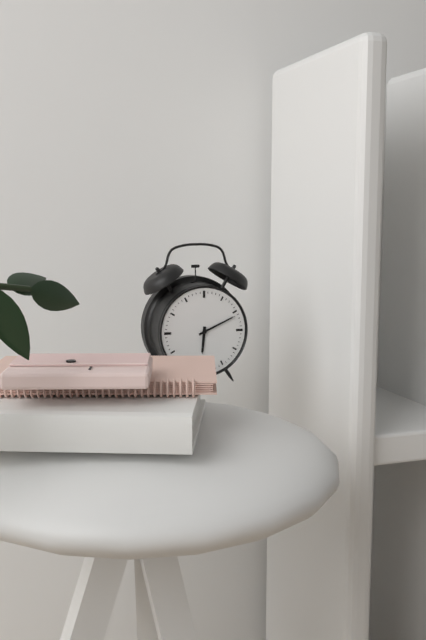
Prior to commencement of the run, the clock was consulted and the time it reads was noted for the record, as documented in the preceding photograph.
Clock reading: 6:11
